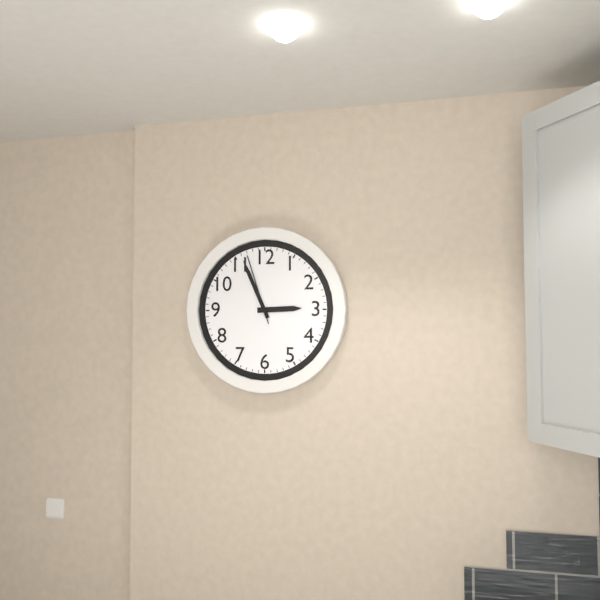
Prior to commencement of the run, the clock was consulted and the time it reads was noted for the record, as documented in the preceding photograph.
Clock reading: 2:56:57
